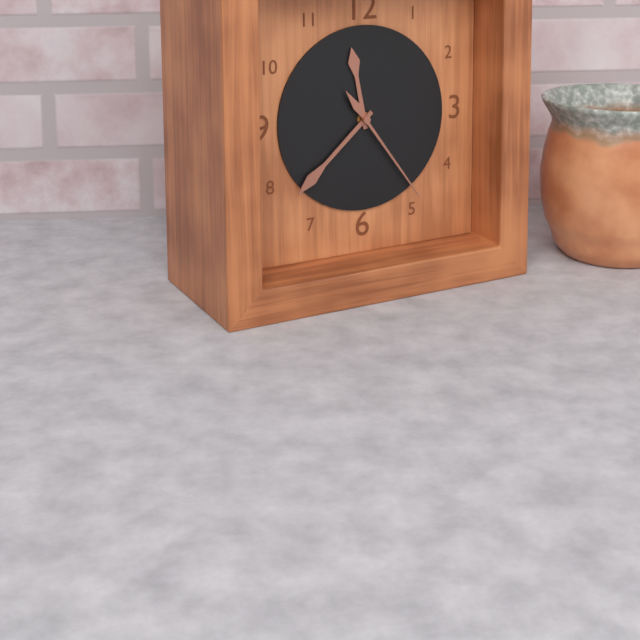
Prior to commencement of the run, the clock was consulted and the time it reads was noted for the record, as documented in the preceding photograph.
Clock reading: 11:38:24
